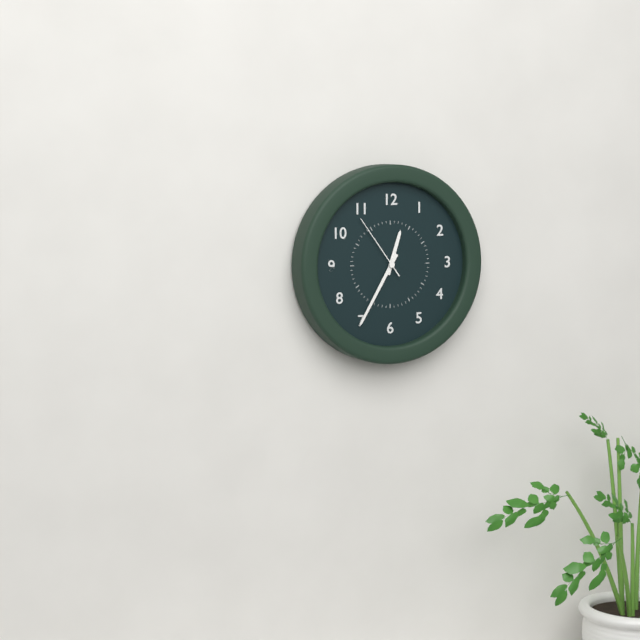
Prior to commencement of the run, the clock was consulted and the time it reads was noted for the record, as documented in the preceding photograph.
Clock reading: 12:35:54
